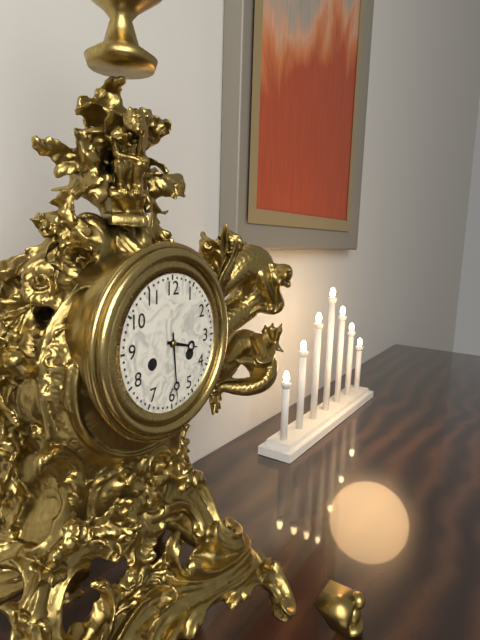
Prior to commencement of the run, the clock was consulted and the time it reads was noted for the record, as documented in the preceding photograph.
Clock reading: 3:29
